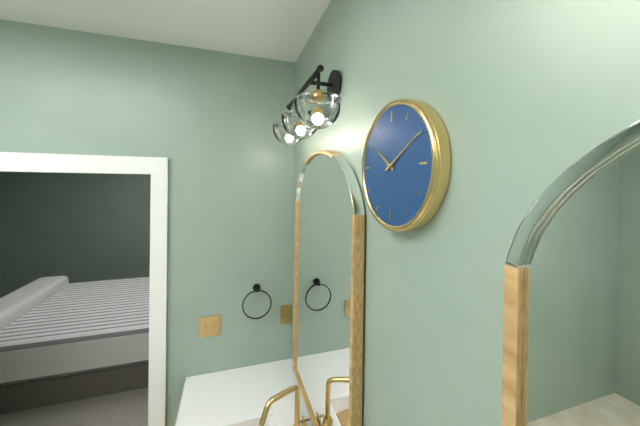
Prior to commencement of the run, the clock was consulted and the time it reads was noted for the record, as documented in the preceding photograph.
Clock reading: 10:10
